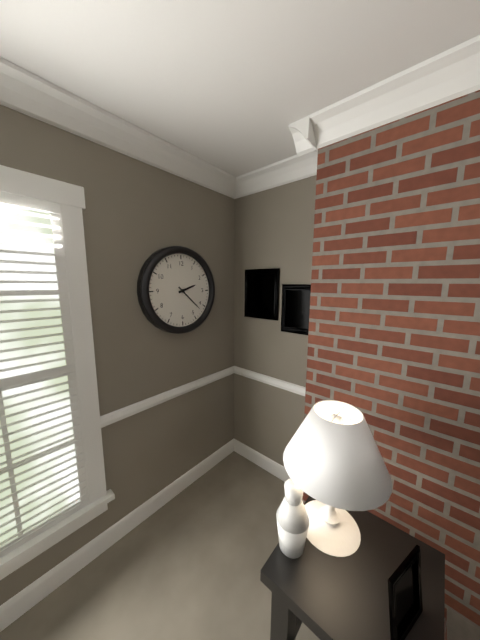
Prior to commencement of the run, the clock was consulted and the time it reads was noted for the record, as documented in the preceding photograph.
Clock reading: 2:22
